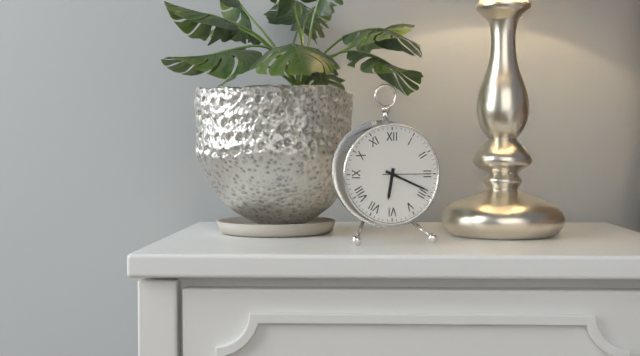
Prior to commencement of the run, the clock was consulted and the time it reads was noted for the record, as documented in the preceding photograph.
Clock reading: 6:19:15
